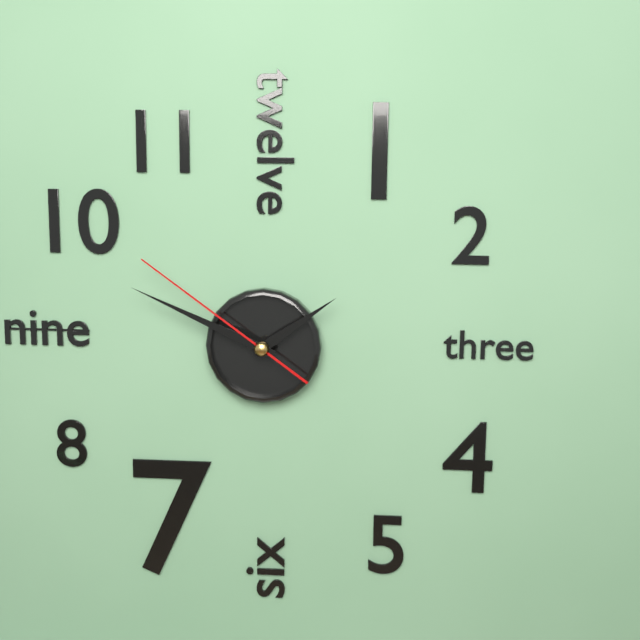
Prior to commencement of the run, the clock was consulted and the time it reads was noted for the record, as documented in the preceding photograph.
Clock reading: 1:49:51
